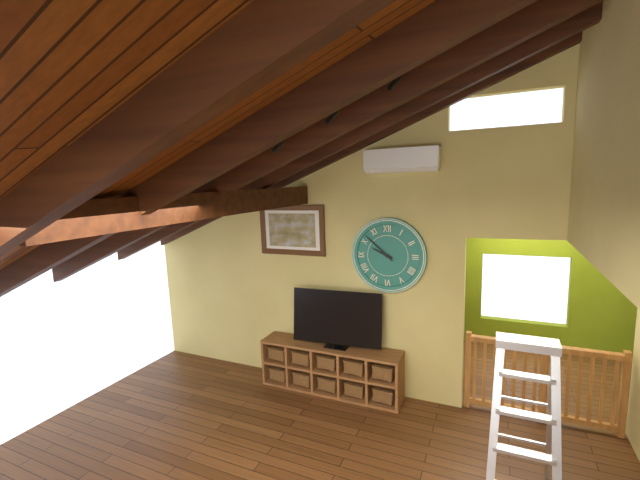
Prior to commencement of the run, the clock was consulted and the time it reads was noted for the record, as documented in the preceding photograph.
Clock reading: 9:52
